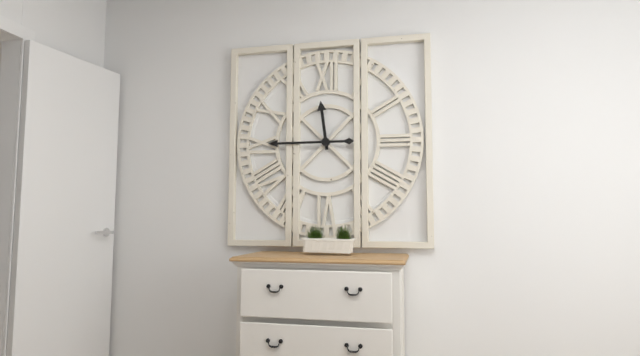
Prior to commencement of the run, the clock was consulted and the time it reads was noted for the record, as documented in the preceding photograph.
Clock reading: 11:45
